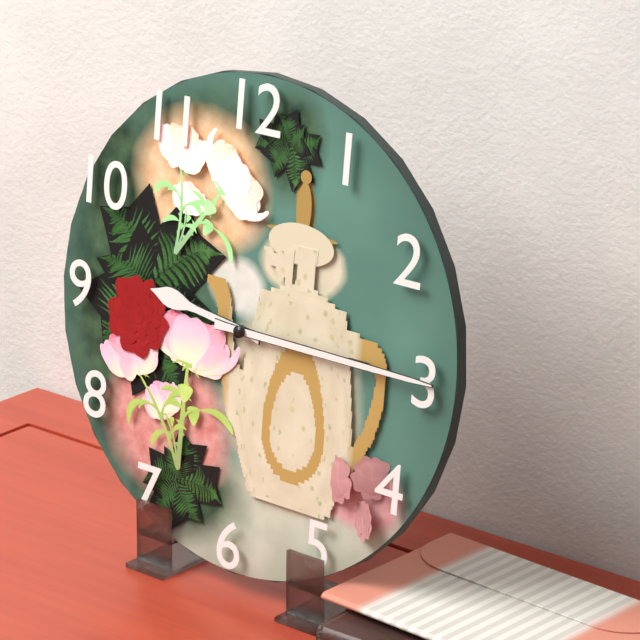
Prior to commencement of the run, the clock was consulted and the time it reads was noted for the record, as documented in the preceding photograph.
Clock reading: 9:15
